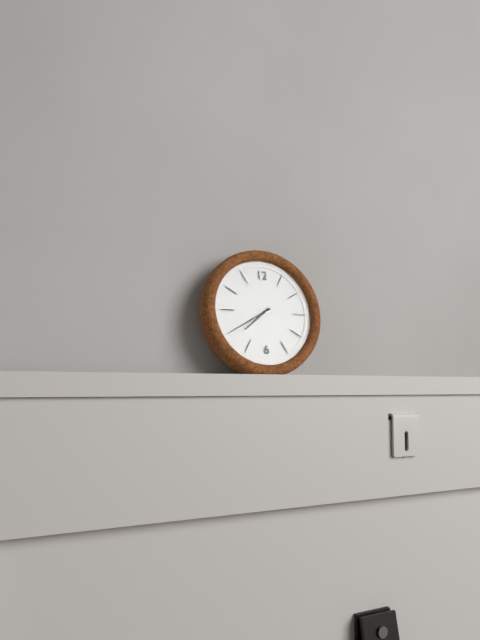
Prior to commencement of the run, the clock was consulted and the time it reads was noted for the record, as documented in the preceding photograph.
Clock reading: 7:40
